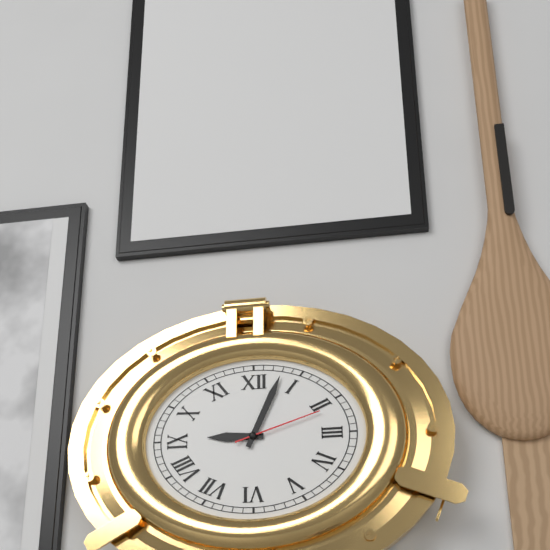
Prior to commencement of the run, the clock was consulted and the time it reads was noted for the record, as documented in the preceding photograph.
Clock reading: 9:04:12
